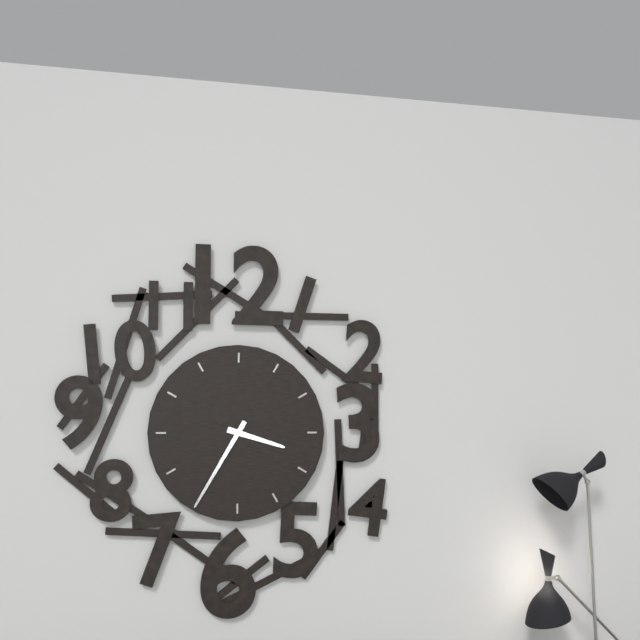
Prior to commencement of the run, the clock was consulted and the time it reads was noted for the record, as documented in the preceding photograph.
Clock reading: 3:35
